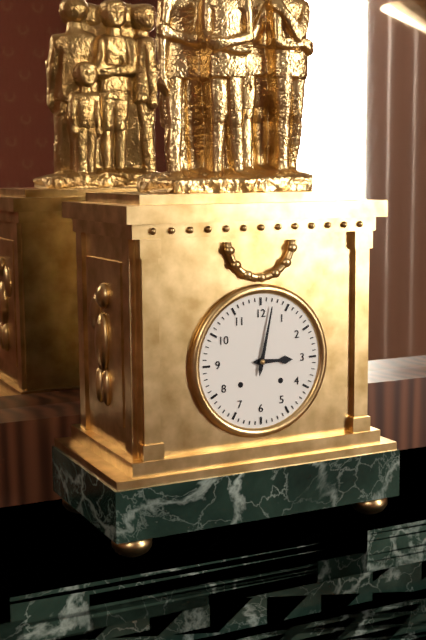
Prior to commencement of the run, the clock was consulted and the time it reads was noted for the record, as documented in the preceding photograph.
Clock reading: 3:02
